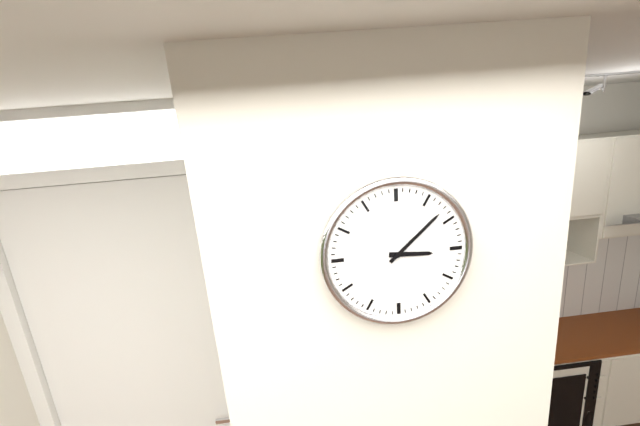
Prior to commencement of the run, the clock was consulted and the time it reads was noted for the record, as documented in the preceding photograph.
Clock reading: 3:08
